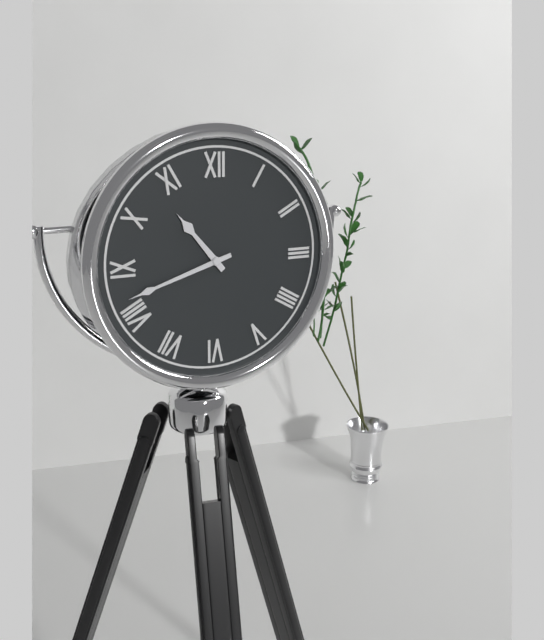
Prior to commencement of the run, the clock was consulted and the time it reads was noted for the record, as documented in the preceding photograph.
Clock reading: 10:42
